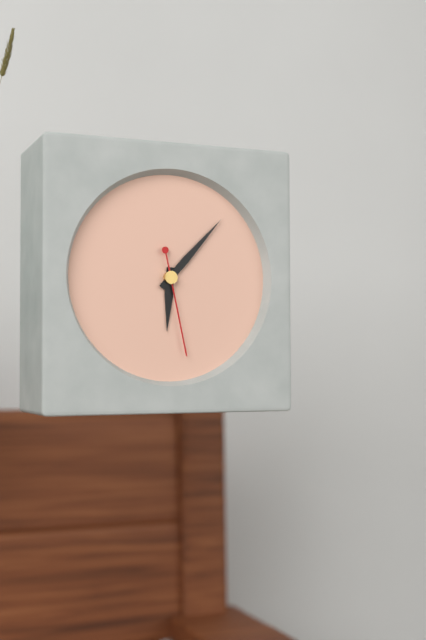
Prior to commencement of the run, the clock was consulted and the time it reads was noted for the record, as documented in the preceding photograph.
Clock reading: 6:07:28
